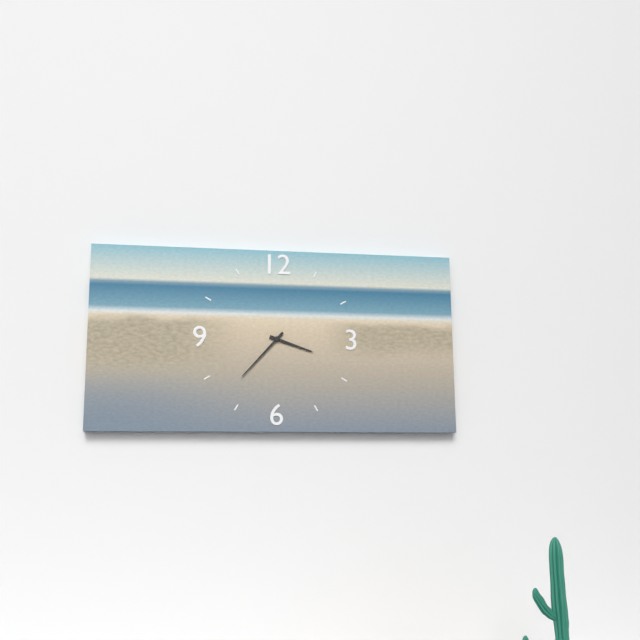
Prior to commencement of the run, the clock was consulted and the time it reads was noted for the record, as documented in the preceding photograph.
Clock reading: 3:37
